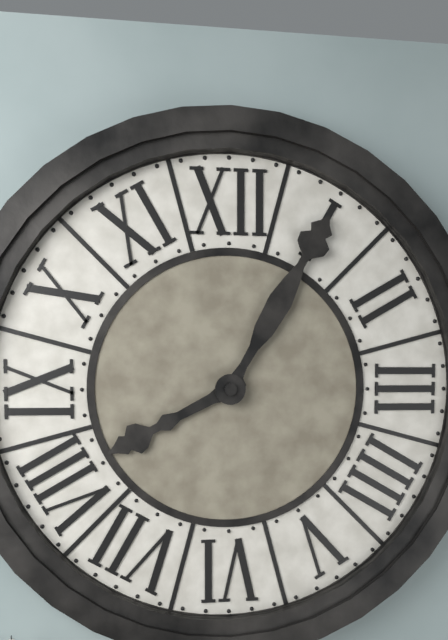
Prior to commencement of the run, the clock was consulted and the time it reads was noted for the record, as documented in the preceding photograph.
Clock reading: 8:05
